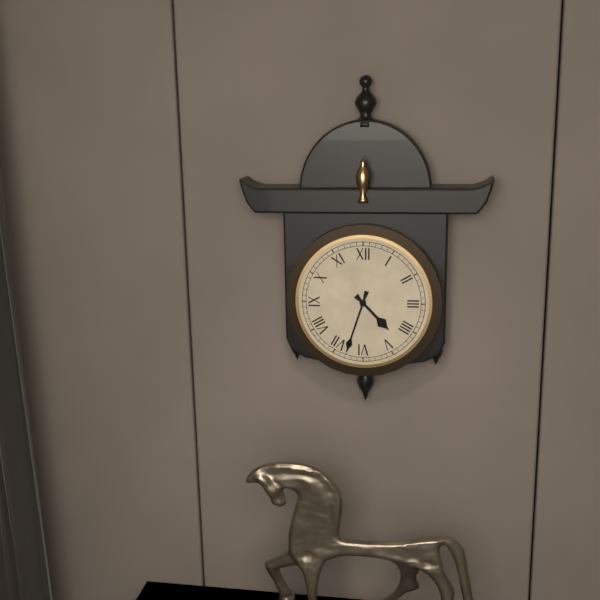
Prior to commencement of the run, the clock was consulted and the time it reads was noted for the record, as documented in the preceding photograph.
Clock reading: 4:33
